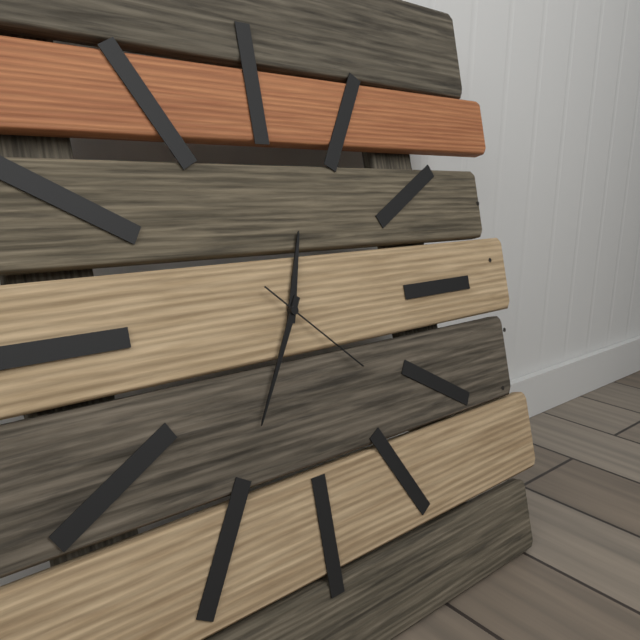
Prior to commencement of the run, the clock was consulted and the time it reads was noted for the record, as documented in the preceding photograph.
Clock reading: 12:35:22
